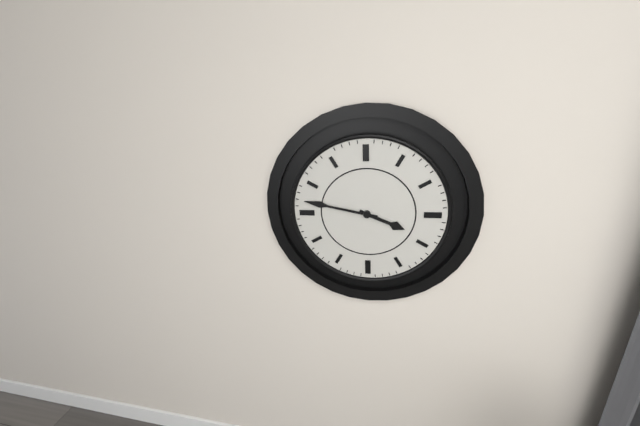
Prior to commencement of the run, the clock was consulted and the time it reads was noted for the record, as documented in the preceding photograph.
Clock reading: 3:47
